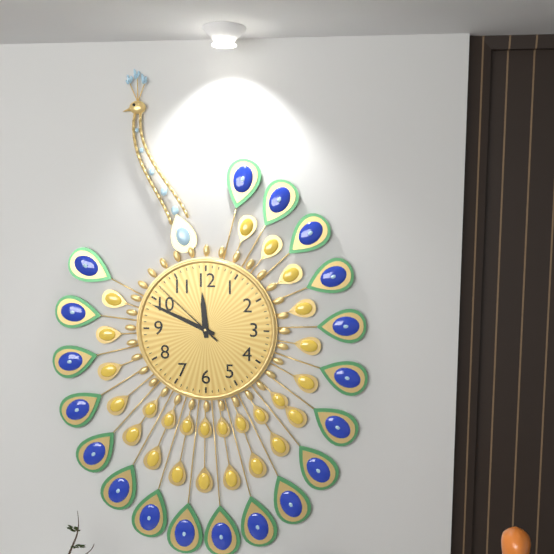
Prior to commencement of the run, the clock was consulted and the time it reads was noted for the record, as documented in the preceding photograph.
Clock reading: 11:49:52
